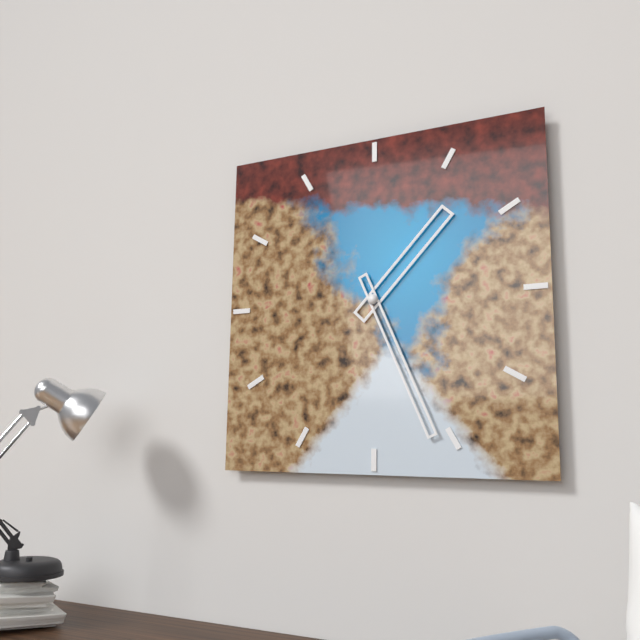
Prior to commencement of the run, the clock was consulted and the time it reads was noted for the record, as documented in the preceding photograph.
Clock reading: 1:26
